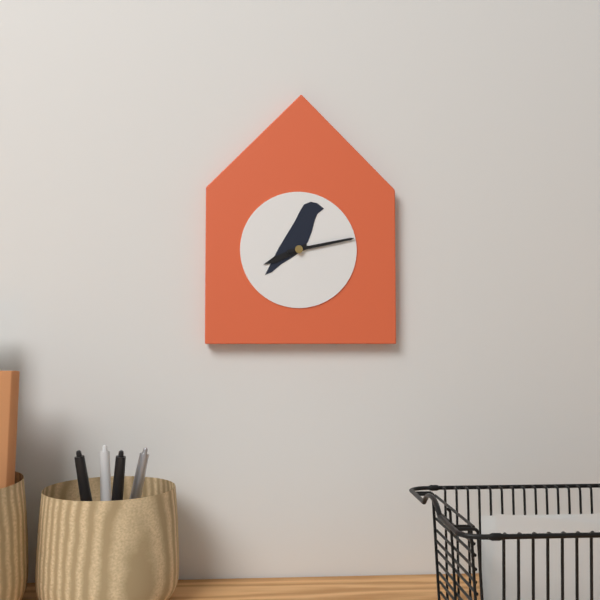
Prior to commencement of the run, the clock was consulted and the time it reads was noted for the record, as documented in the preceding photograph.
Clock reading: 8:13
